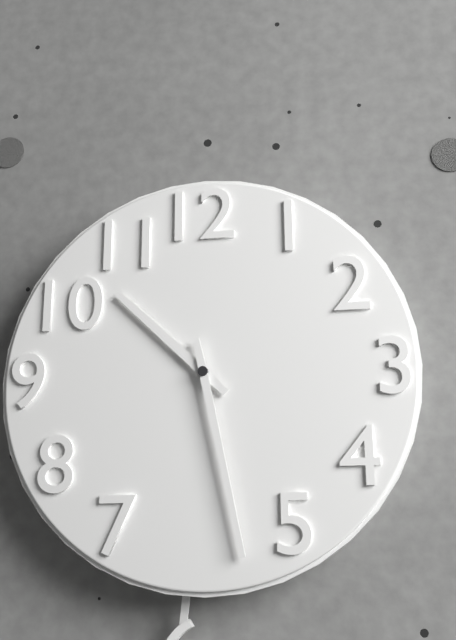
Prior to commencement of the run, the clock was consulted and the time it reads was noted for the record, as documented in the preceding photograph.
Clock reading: 10:28
